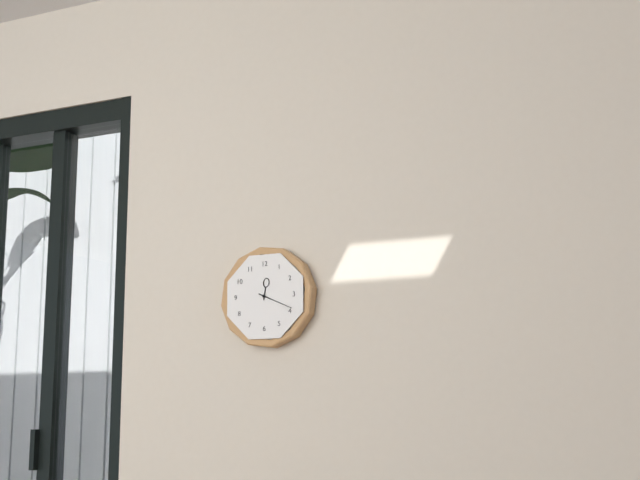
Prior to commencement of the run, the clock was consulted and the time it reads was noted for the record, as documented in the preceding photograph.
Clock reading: 12:19
